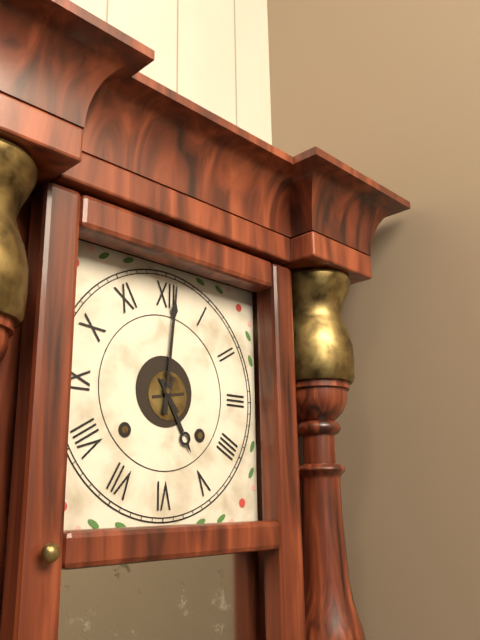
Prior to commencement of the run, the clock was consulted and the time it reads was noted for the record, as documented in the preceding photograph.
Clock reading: 5:01
